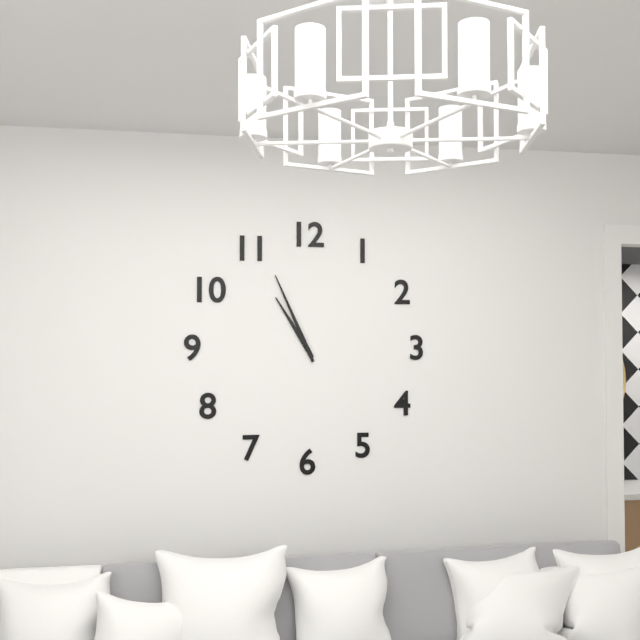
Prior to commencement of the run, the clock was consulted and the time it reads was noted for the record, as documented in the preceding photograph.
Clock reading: 10:56
